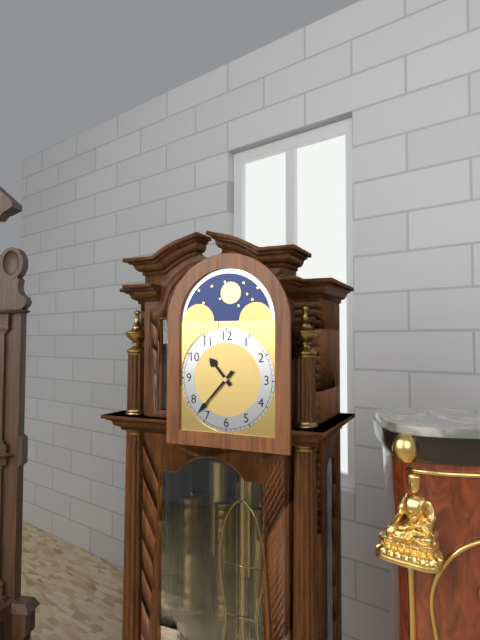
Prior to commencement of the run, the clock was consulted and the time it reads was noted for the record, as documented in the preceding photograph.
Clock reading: 10:37
